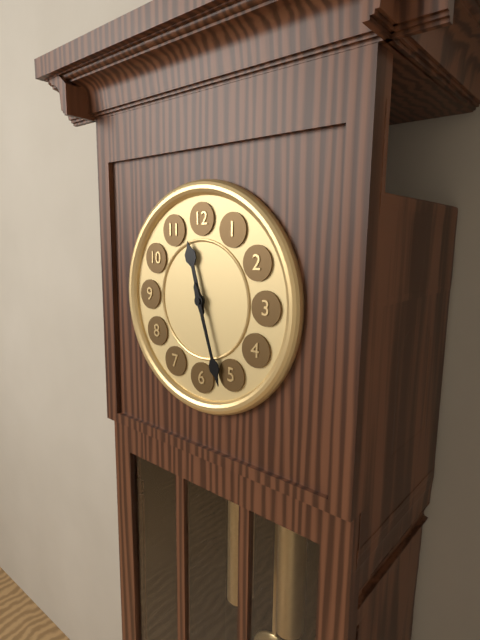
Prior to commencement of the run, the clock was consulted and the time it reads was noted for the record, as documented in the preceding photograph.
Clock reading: 11:27
